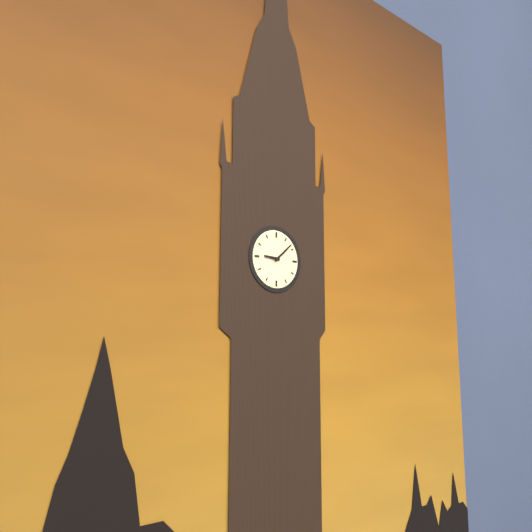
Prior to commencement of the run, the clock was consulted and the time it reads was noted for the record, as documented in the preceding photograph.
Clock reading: 9:08
